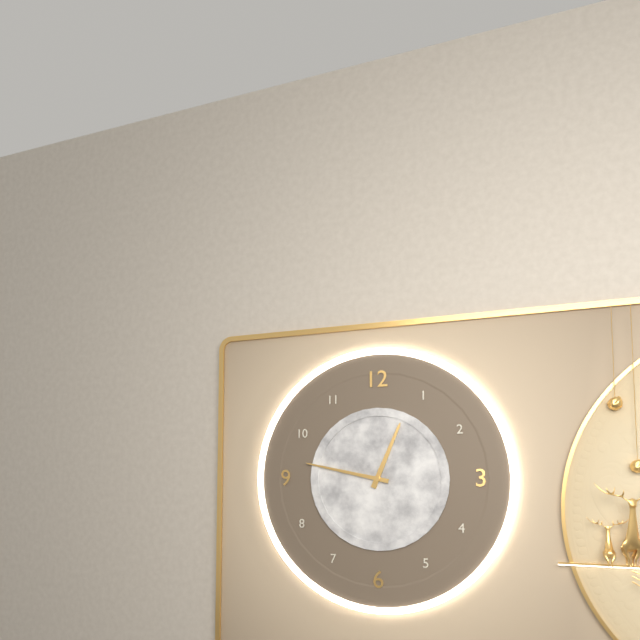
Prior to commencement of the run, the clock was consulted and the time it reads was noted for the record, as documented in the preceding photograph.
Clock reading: 12:47
